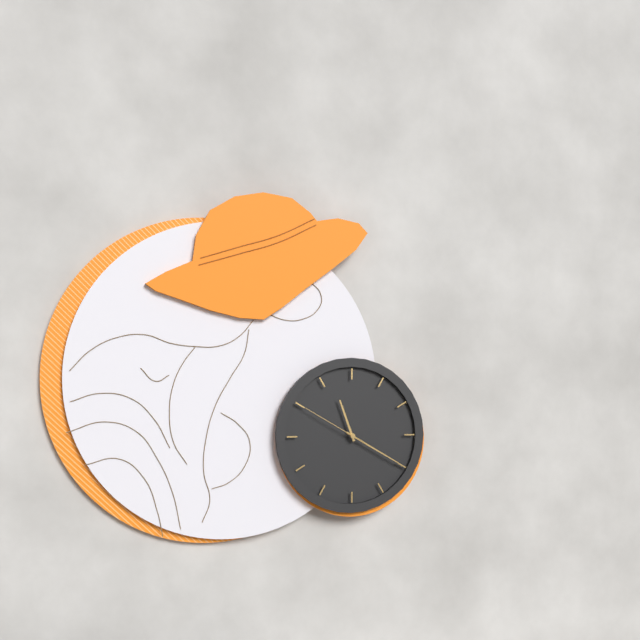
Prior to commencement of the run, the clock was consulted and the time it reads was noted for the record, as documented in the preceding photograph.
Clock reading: 11:20:50
